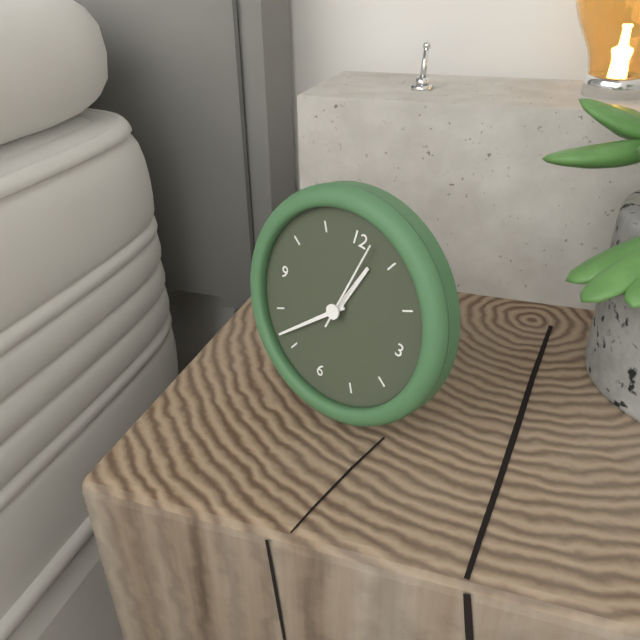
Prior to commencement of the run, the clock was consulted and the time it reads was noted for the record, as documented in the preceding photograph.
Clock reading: 12:37:02
